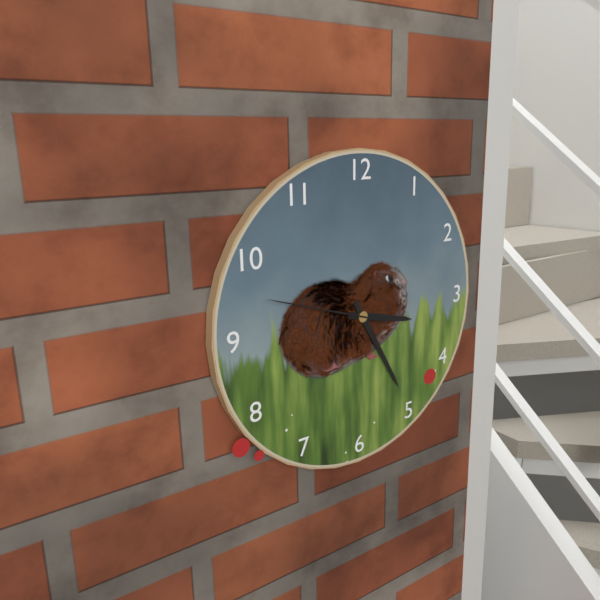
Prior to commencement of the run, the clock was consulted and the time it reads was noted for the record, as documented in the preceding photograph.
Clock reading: 3:25:48
